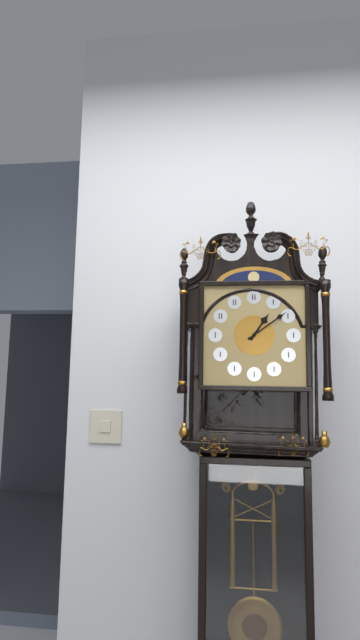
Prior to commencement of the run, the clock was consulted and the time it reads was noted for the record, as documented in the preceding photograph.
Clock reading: 1:09
